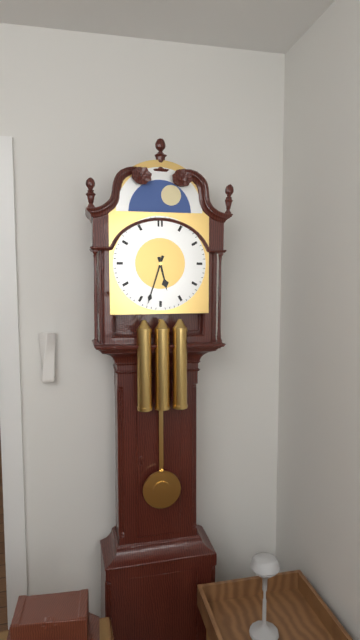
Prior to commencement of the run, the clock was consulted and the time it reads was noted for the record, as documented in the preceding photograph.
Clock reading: 5:33
